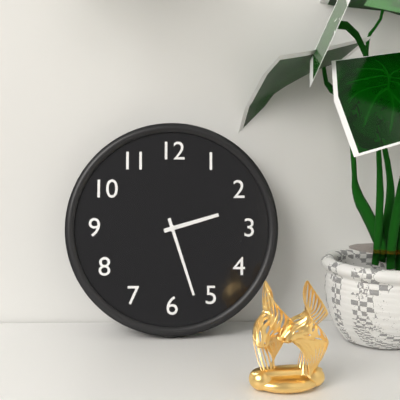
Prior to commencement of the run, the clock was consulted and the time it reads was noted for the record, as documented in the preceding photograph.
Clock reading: 2:27
